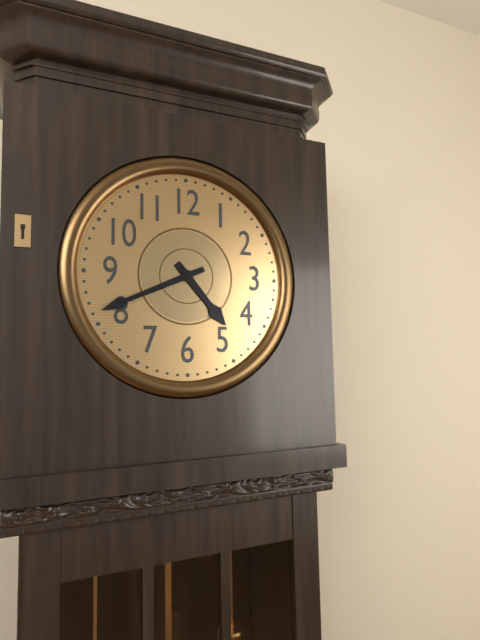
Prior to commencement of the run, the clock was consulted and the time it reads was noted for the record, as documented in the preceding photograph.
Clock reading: 4:41
